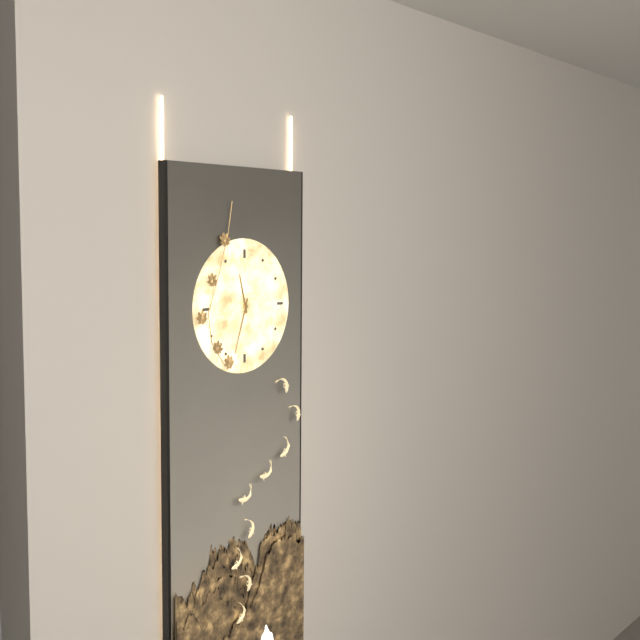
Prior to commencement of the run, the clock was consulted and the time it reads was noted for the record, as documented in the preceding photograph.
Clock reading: 11:33
